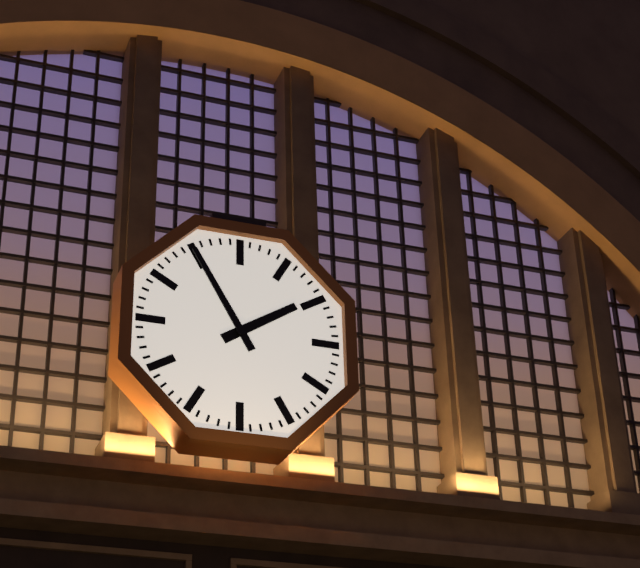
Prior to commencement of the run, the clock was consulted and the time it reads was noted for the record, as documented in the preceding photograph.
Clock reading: 1:55
